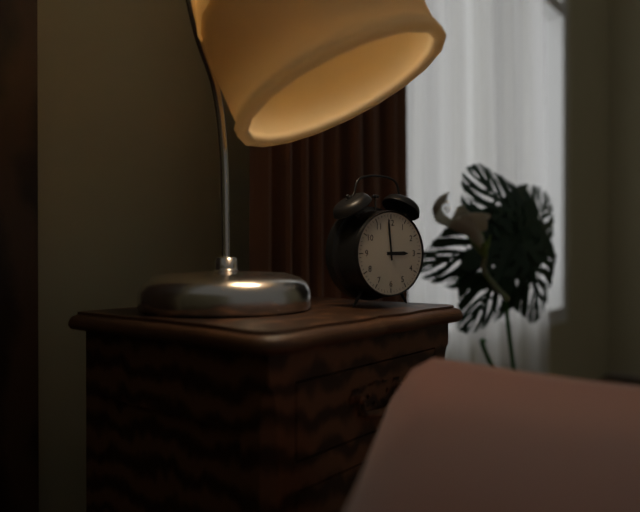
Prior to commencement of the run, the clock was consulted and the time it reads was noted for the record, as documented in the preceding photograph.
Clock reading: 2:59
